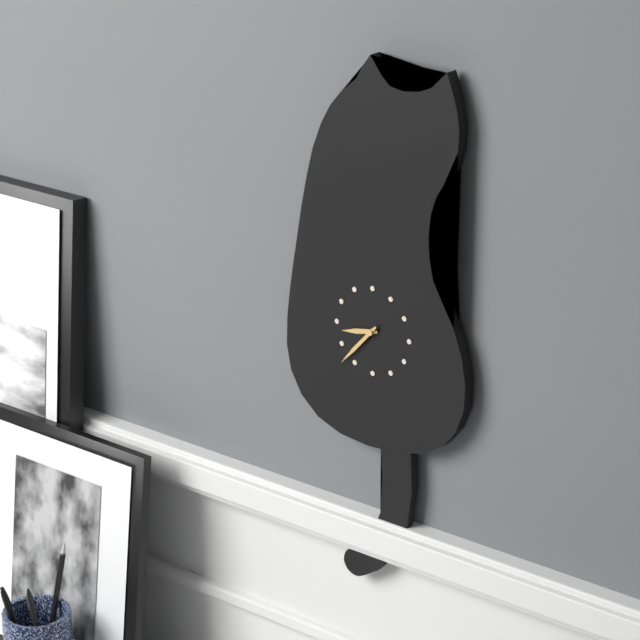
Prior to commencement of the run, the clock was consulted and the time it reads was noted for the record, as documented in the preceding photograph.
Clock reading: 8:37
